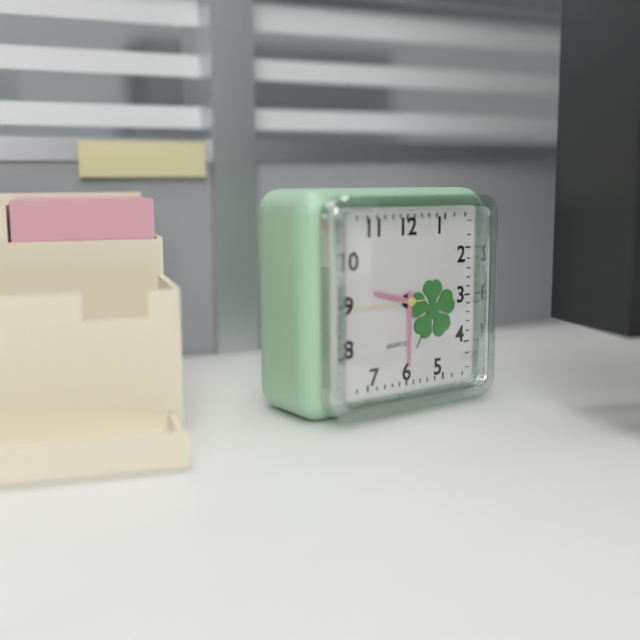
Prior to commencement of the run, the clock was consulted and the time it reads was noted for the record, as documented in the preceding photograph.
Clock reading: 9:30
